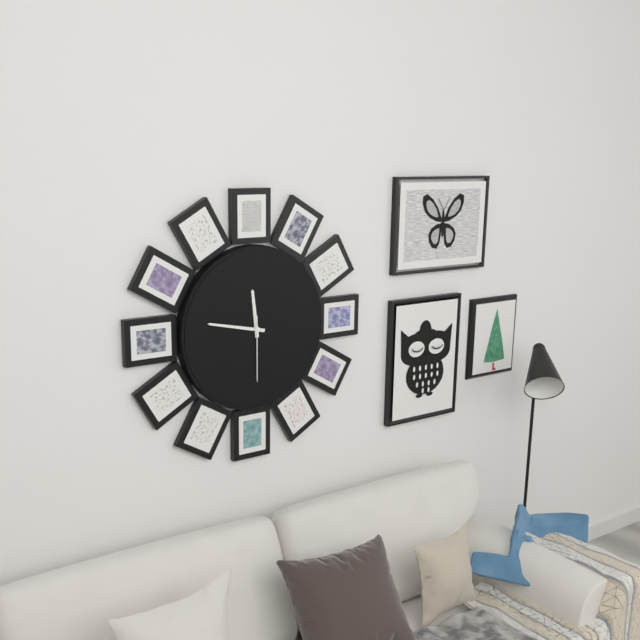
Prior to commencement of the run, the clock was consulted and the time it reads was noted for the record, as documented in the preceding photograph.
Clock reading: 11:47:30
